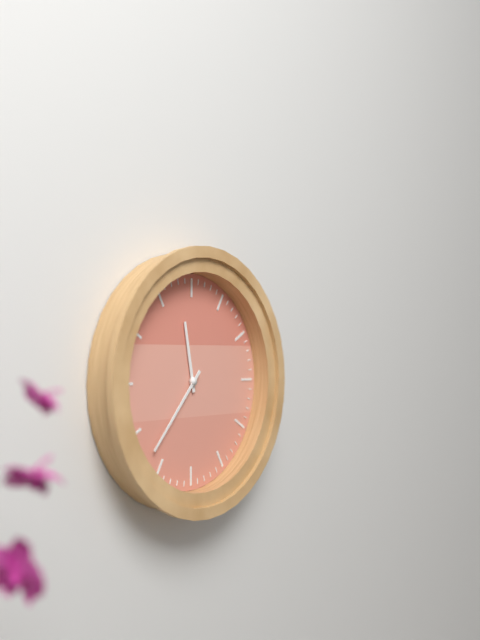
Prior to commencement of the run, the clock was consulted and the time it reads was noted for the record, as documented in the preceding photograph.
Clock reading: 11:37
